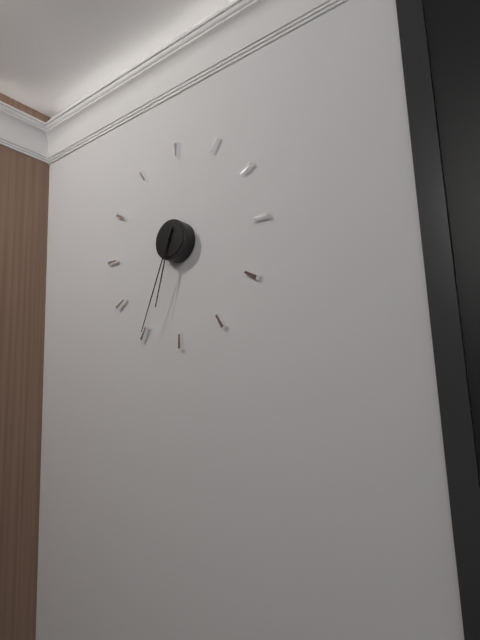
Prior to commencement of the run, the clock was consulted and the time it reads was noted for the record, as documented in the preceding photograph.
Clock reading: 6:34
